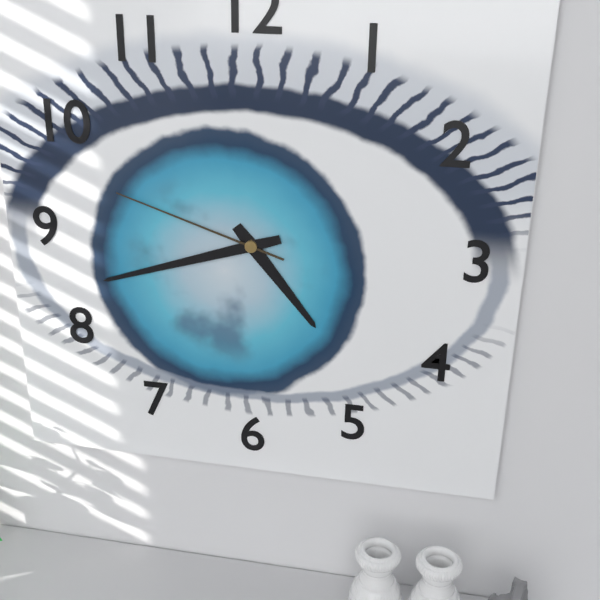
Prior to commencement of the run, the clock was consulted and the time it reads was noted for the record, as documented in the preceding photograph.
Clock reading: 4:42:48
